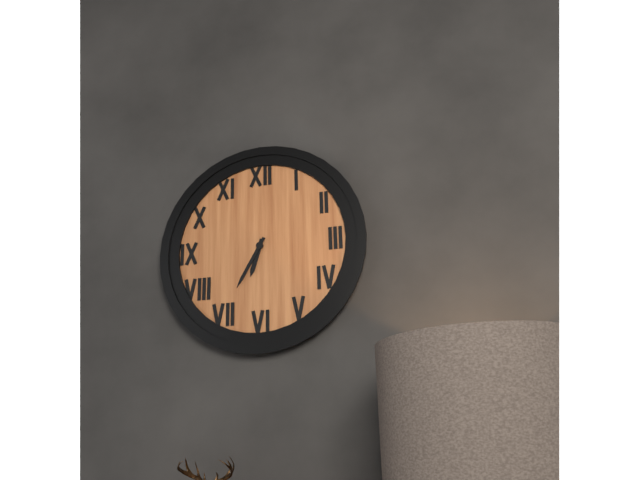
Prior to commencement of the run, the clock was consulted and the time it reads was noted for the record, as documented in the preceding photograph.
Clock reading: 6:35
